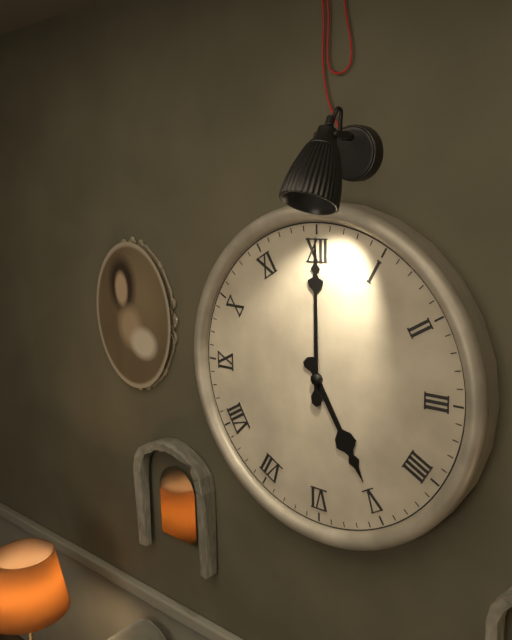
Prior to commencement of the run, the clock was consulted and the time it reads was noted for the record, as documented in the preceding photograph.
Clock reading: 5:00
